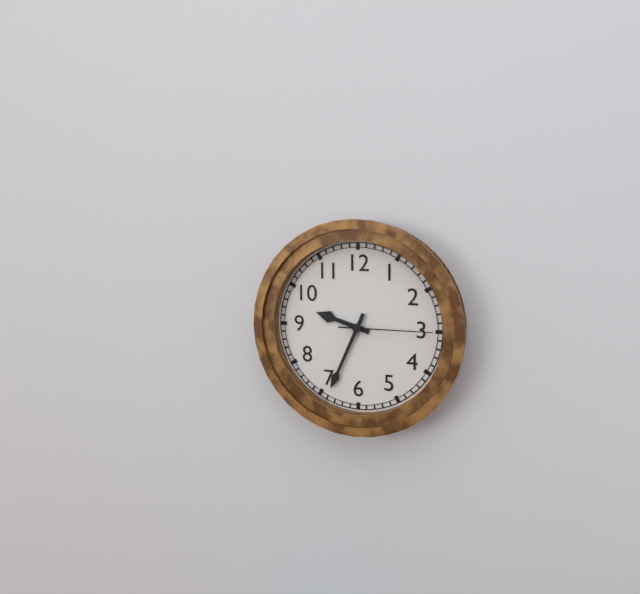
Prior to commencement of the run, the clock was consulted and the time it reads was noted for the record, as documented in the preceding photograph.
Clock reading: 9:34:15
